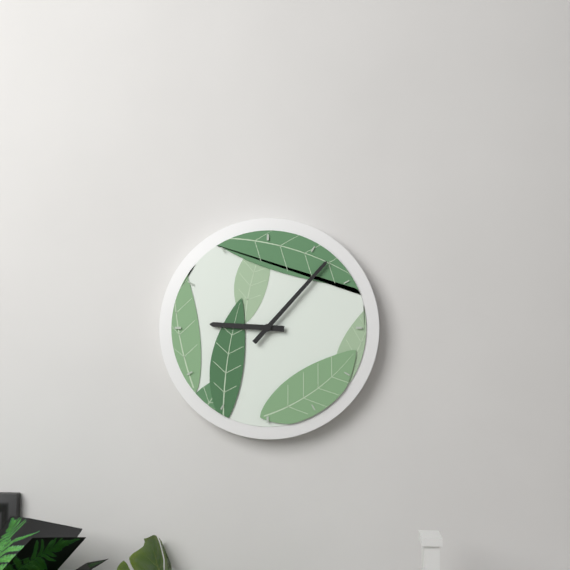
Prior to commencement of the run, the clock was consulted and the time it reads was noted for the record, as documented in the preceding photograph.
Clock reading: 9:07
